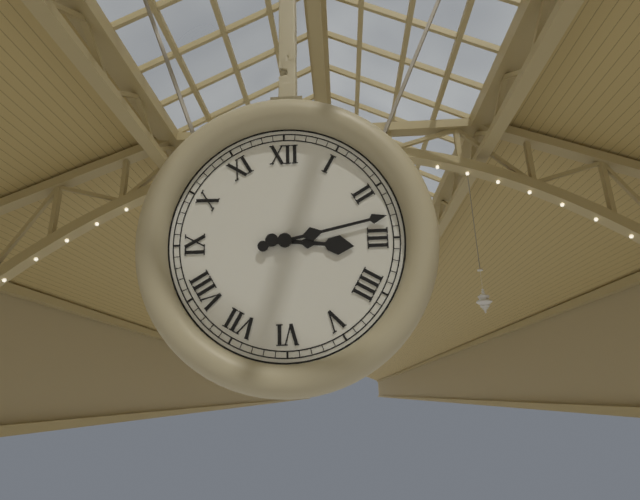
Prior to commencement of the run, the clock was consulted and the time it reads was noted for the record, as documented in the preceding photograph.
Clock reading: 3:13
